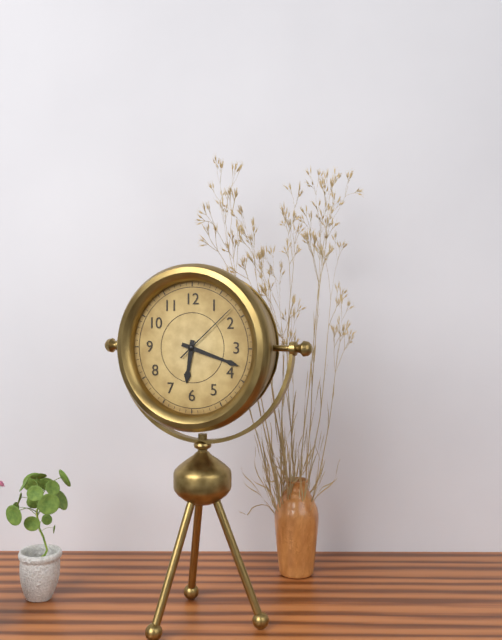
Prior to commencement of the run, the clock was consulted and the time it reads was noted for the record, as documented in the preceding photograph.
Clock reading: 6:18:08
